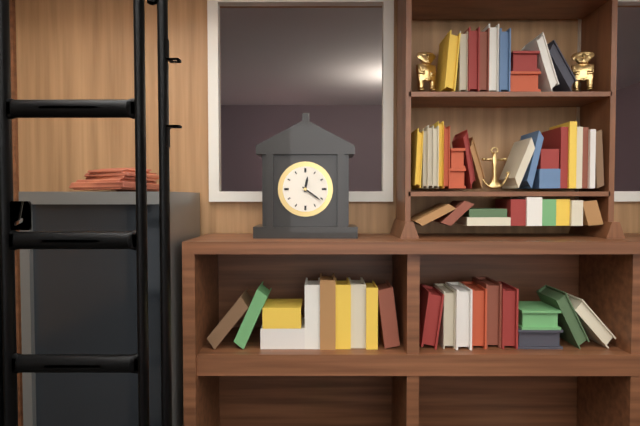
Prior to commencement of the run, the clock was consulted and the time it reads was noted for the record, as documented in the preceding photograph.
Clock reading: 12:21
